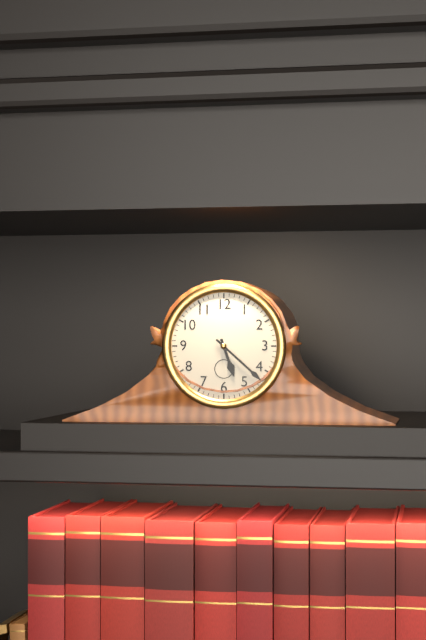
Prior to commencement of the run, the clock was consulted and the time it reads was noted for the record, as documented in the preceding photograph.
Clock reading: 5:22
